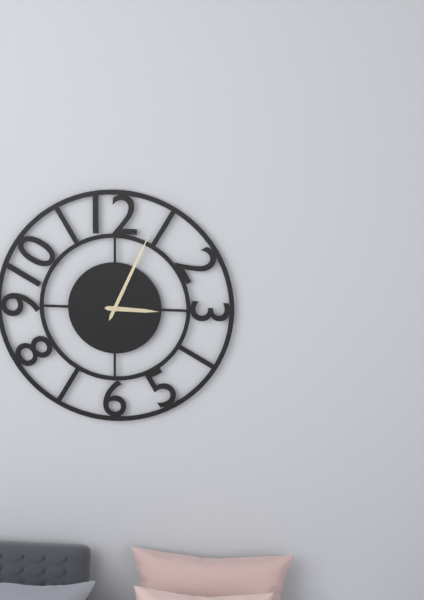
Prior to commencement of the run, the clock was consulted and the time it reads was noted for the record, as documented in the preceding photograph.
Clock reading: 3:04
